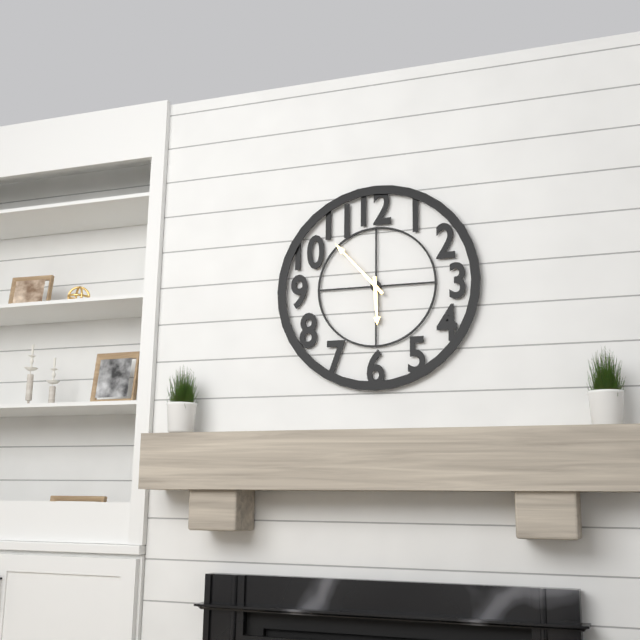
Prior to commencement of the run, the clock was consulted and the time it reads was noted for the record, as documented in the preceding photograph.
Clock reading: 5:53
